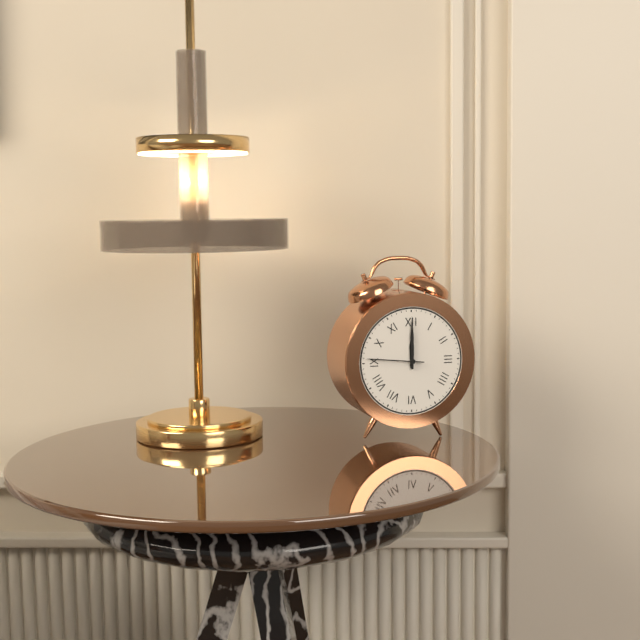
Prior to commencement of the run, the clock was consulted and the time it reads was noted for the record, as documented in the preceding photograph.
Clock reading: 12:00:46
